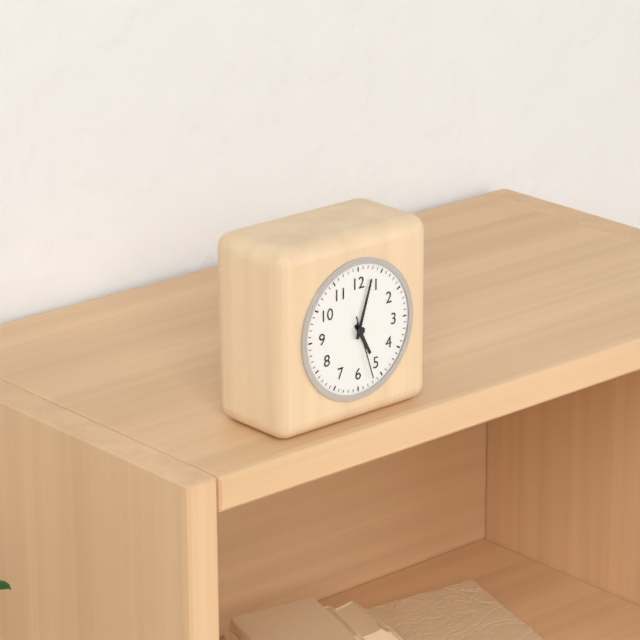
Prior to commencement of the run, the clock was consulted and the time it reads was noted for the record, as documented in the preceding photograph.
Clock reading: 5:03:27
